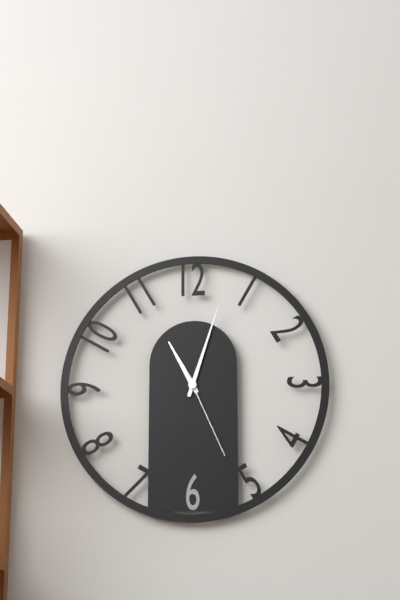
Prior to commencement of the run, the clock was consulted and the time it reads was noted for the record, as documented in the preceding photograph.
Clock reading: 11:03:26
